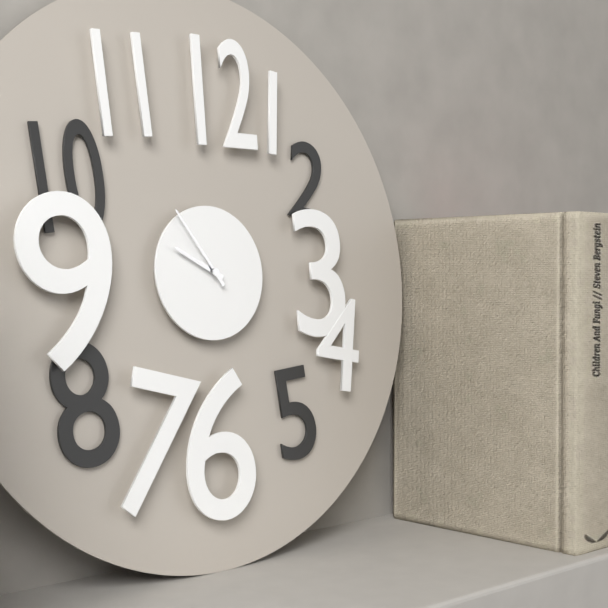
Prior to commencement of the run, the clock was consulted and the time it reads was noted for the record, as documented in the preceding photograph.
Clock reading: 9:54
